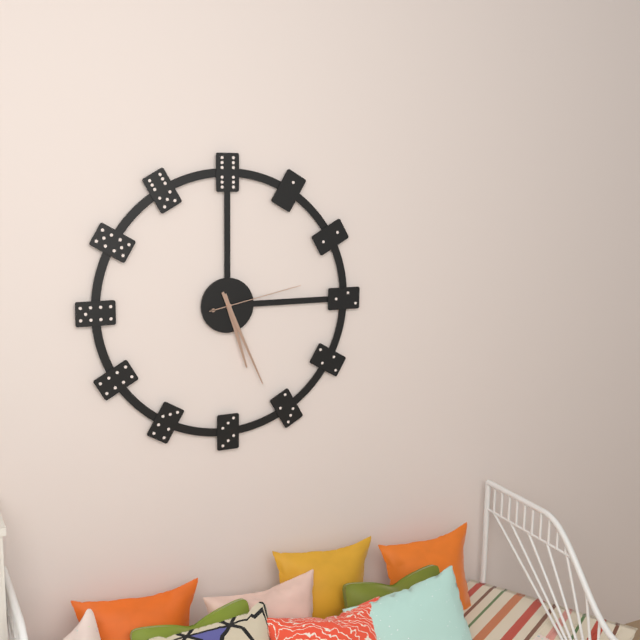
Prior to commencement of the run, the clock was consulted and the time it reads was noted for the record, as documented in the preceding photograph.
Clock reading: 5:26:13
